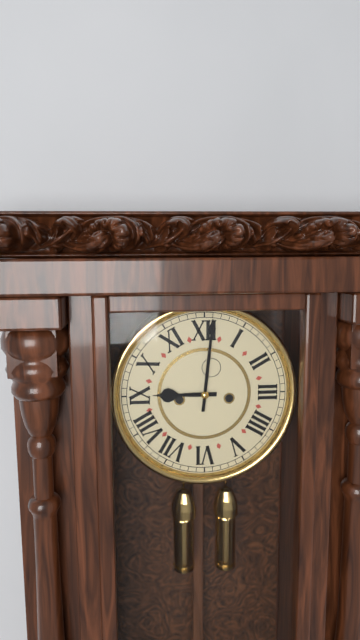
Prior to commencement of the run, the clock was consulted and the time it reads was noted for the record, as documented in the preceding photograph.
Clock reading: 9:01
